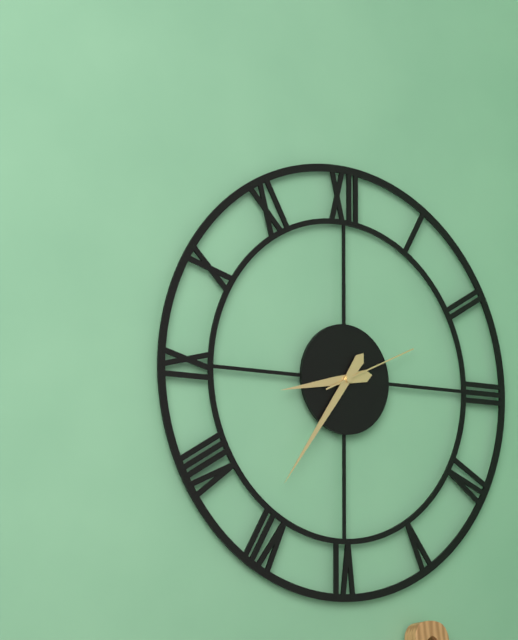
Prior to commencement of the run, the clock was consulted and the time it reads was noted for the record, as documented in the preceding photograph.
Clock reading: 8:36:11
